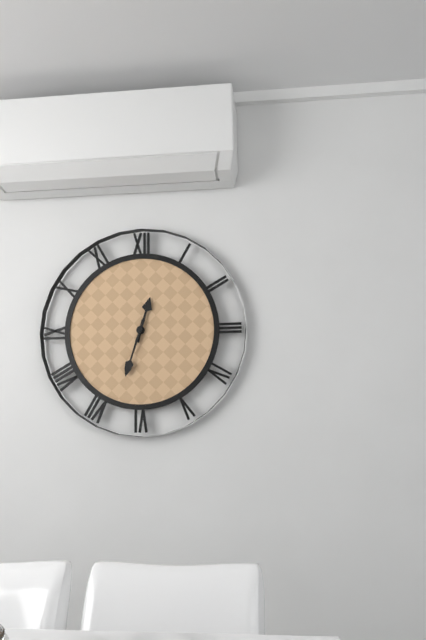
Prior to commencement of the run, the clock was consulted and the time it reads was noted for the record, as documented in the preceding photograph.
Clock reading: 12:33
